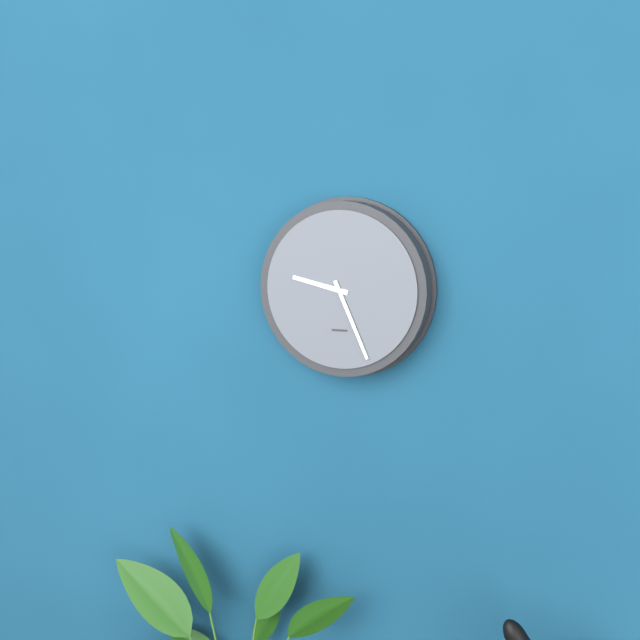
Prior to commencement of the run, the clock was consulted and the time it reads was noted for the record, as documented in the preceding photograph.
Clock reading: 9:26
